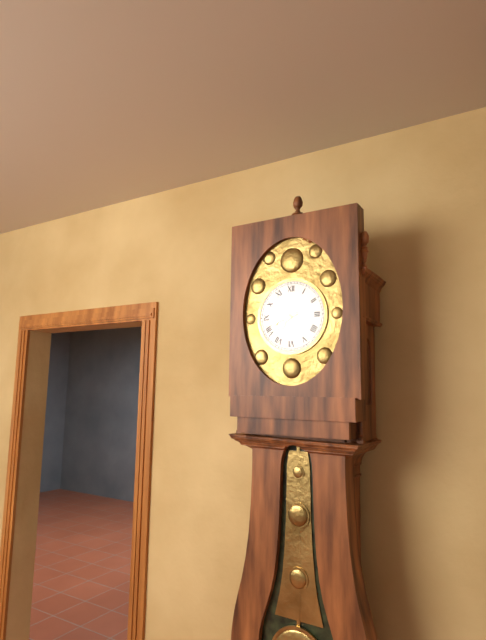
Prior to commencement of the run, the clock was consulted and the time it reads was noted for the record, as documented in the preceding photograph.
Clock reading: 7:42
